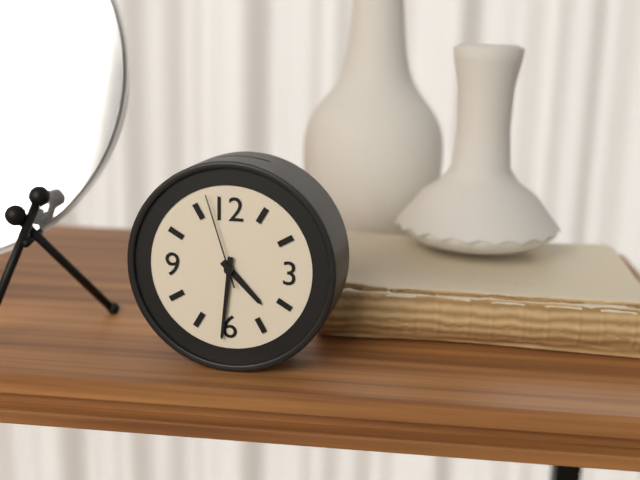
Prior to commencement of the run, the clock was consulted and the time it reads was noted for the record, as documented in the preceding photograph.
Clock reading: 4:31:57
